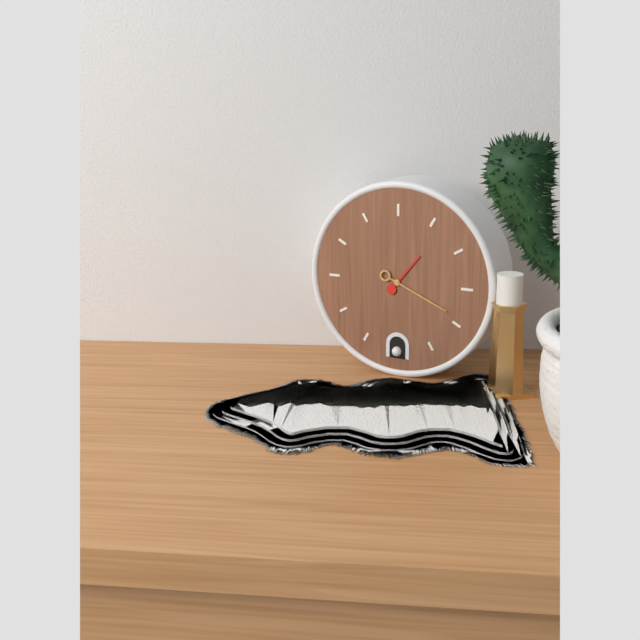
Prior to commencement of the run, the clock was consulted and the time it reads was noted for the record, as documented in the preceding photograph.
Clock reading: 1:19
